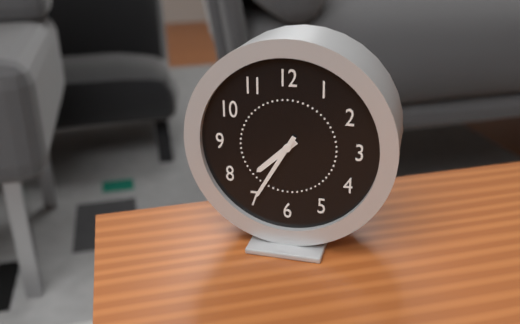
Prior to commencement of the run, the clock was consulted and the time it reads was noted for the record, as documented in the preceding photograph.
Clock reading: 7:35
